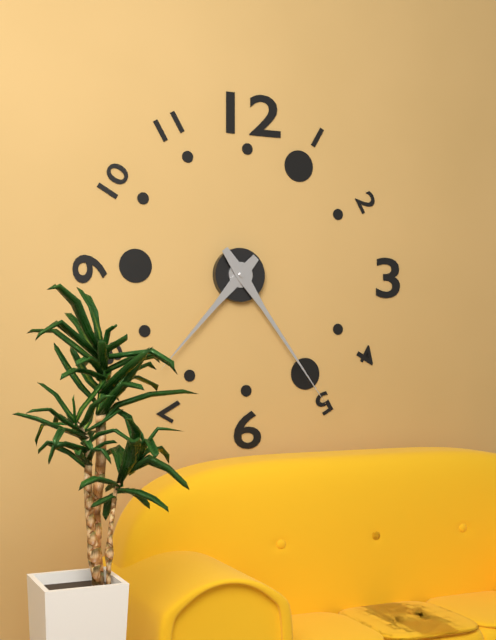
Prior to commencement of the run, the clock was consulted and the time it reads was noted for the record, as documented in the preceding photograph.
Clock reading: 7:24
